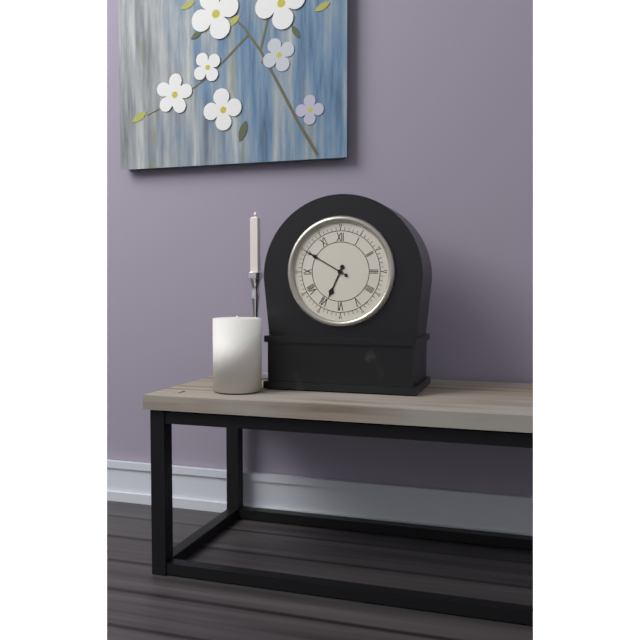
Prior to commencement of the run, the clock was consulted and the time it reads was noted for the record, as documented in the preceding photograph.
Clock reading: 6:50
